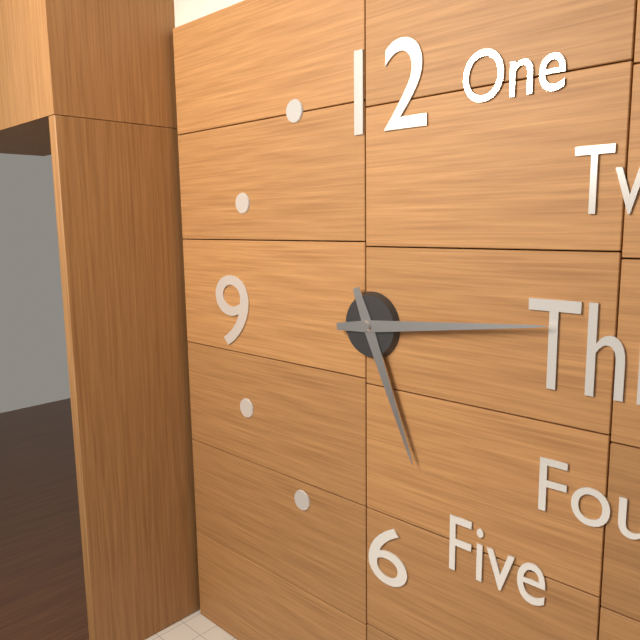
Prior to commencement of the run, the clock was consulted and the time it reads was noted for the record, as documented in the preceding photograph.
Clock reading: 5:14
